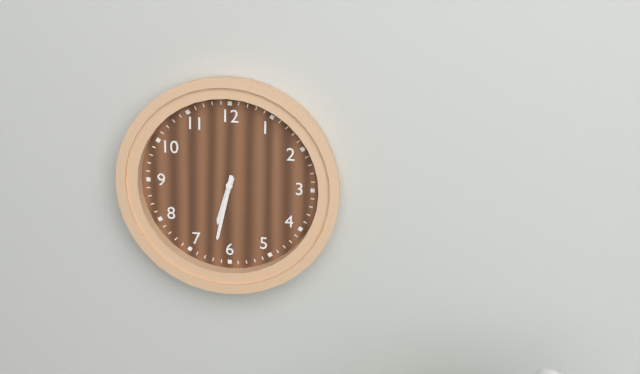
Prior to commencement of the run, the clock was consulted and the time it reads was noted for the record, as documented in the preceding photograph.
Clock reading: 6:32
